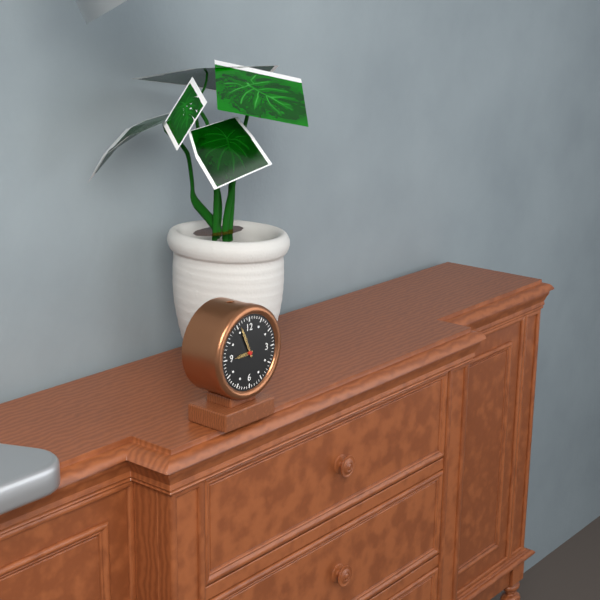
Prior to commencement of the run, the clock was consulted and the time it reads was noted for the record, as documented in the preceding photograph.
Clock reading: 8:56
